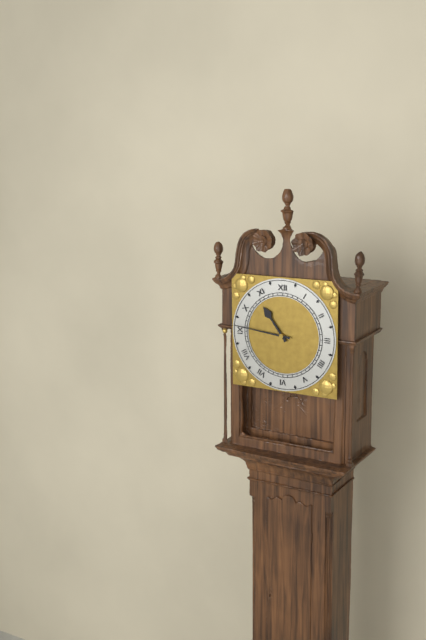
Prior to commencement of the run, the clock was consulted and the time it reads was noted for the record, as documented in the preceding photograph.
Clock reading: 10:46
